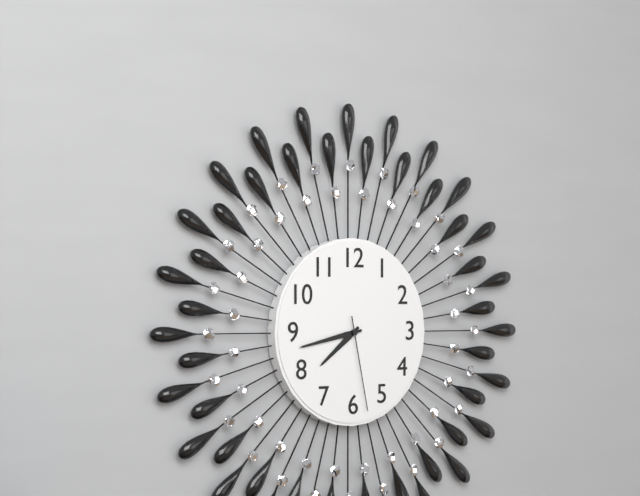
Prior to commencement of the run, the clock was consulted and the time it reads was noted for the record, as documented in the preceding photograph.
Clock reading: 7:43:28
